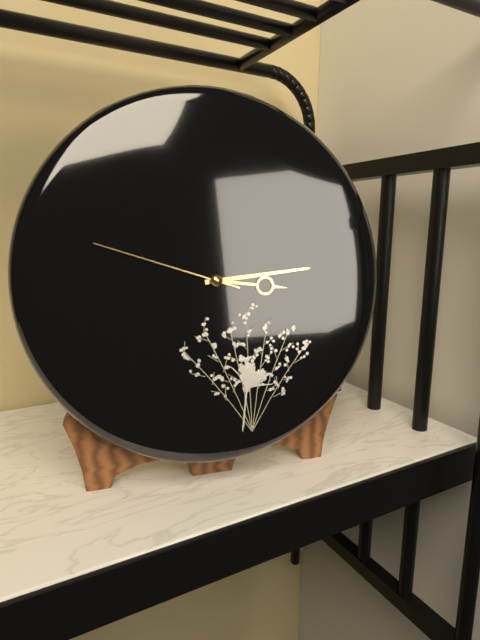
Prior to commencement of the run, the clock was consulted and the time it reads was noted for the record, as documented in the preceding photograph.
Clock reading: 3:14:48
